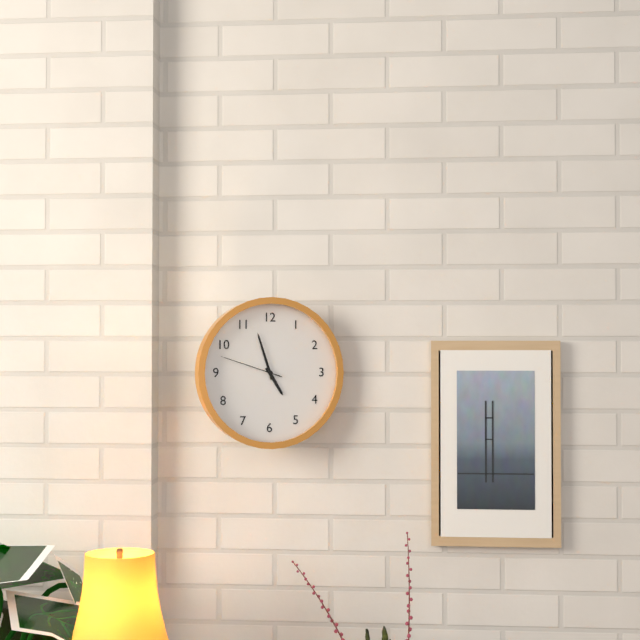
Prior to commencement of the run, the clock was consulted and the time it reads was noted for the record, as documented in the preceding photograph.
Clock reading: 4:57:48
